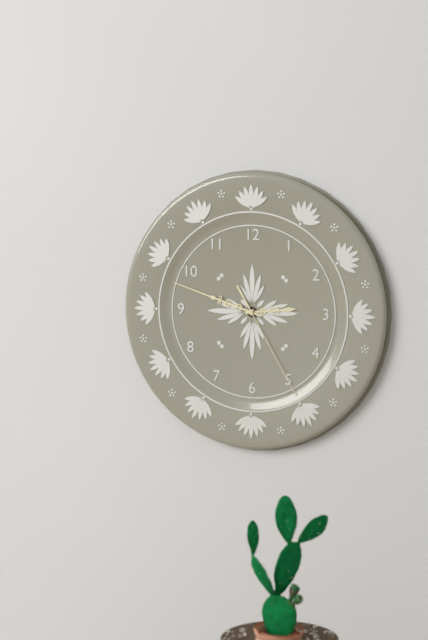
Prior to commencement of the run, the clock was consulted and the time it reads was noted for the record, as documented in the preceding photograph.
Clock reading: 2:48:25
